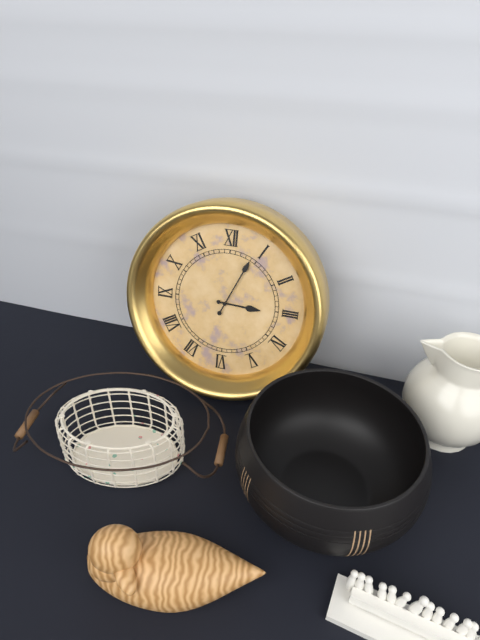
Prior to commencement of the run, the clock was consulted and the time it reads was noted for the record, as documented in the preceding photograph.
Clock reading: 3:04
